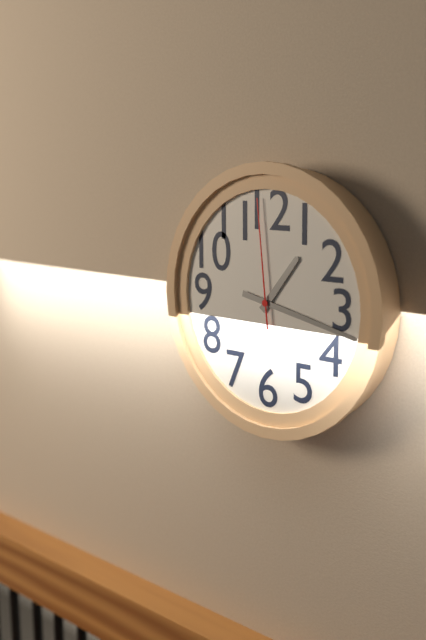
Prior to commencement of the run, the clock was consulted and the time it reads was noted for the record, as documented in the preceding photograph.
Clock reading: 1:17:59
